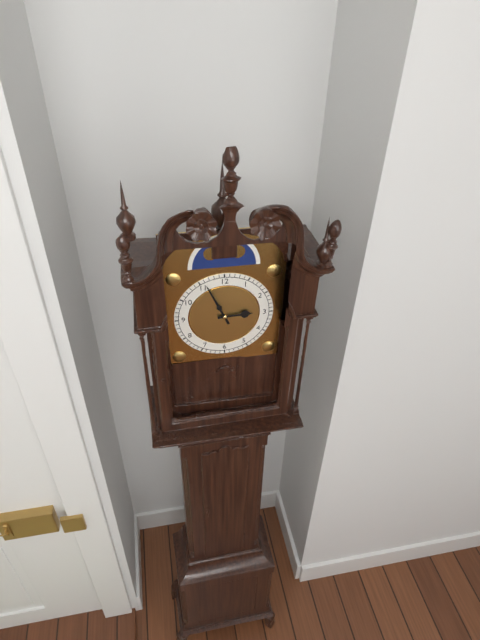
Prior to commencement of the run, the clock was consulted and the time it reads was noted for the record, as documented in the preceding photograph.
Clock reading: 2:56
